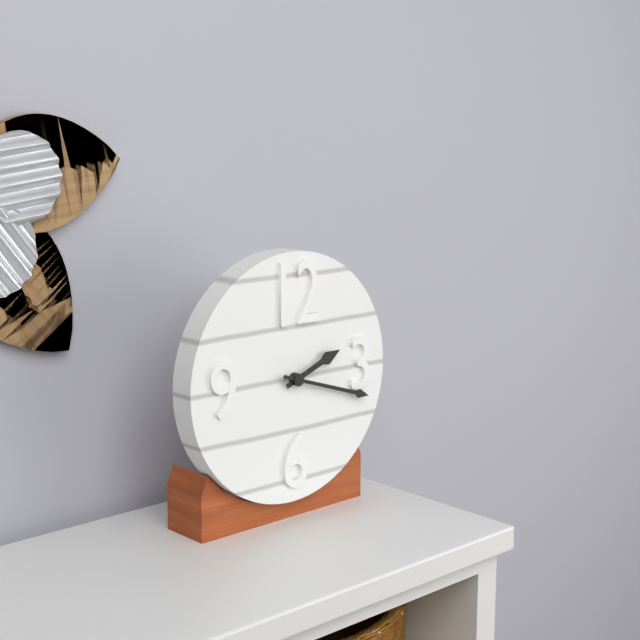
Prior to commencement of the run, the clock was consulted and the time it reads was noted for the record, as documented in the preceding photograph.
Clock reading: 2:18
